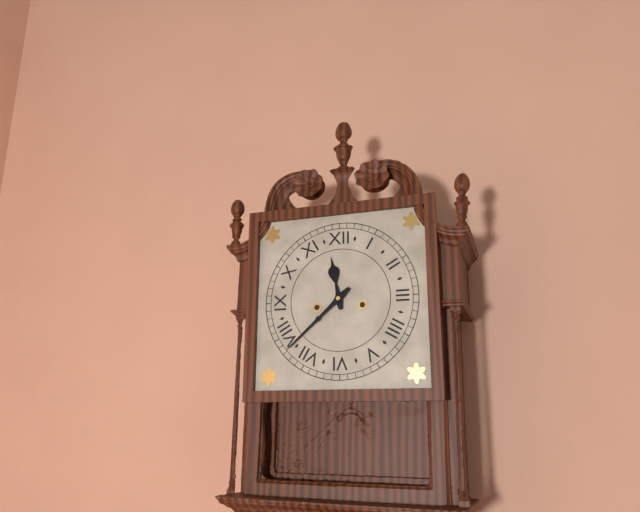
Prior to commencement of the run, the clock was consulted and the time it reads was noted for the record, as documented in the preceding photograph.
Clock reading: 11:38
